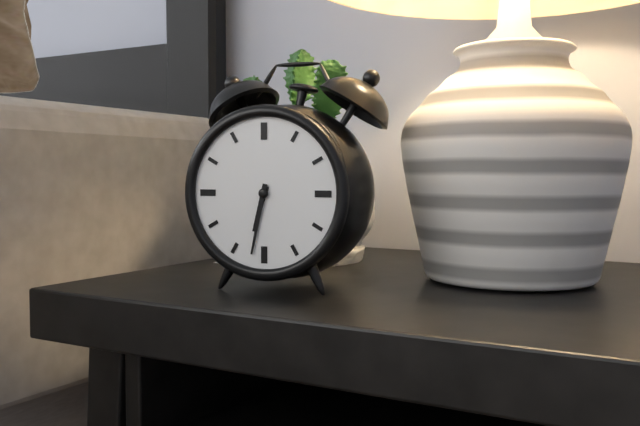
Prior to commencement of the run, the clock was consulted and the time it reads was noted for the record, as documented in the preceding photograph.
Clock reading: 6:32
